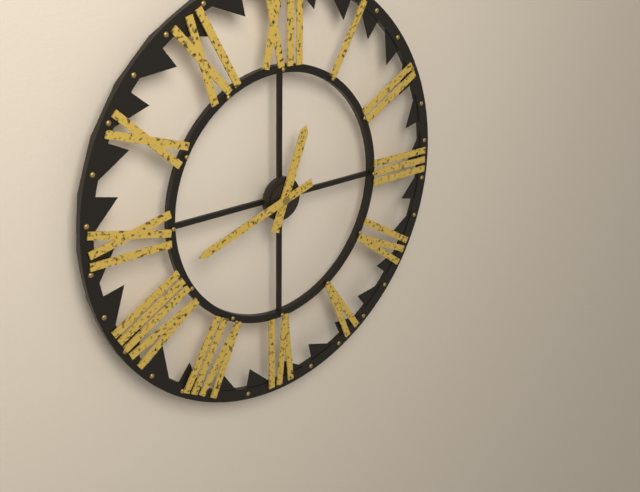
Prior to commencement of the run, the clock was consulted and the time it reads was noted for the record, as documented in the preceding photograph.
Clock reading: 12:42
